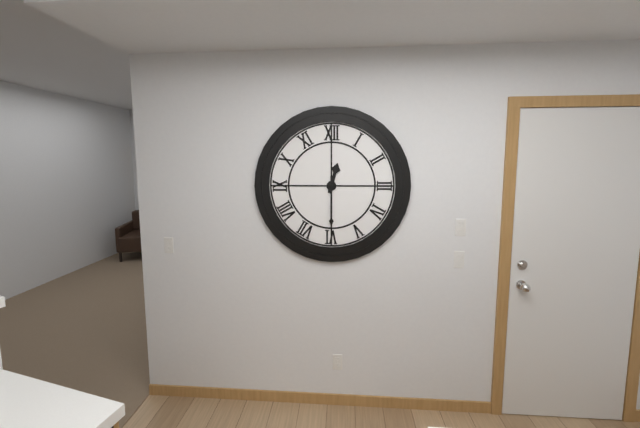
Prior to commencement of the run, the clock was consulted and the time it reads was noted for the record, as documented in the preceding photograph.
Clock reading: 12:30
